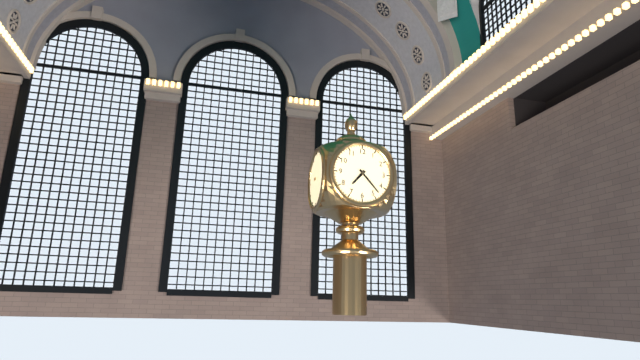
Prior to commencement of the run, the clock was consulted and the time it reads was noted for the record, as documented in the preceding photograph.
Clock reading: 7:23
